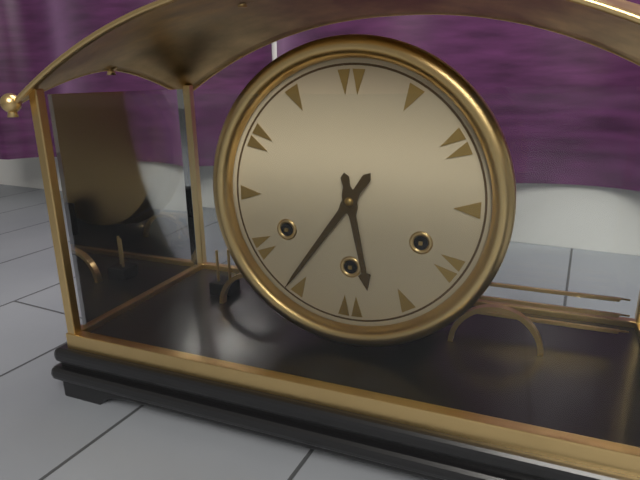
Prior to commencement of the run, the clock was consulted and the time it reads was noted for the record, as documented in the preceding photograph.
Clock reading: 5:36
